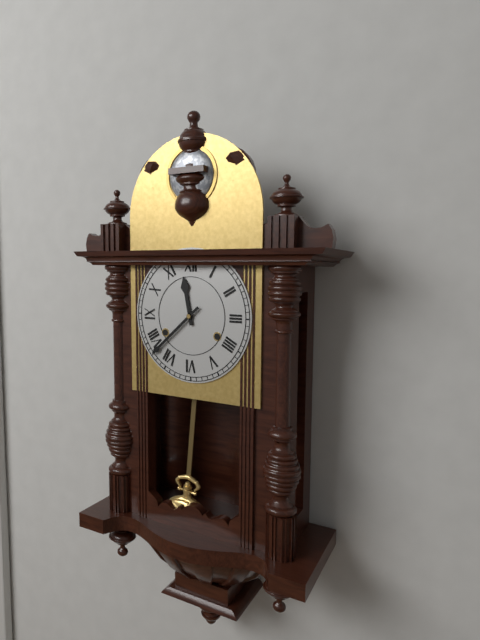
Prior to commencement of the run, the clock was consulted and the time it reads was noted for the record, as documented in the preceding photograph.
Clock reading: 11:38
